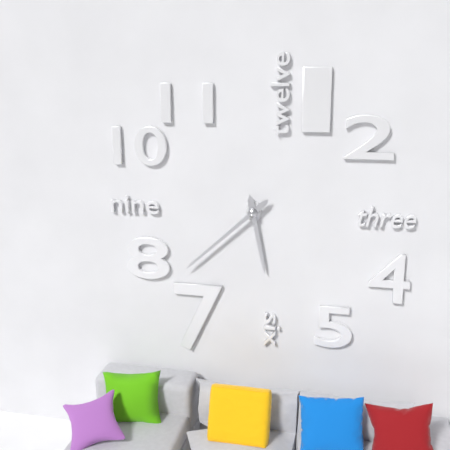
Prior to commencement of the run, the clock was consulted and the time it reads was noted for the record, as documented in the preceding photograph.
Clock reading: 5:38
